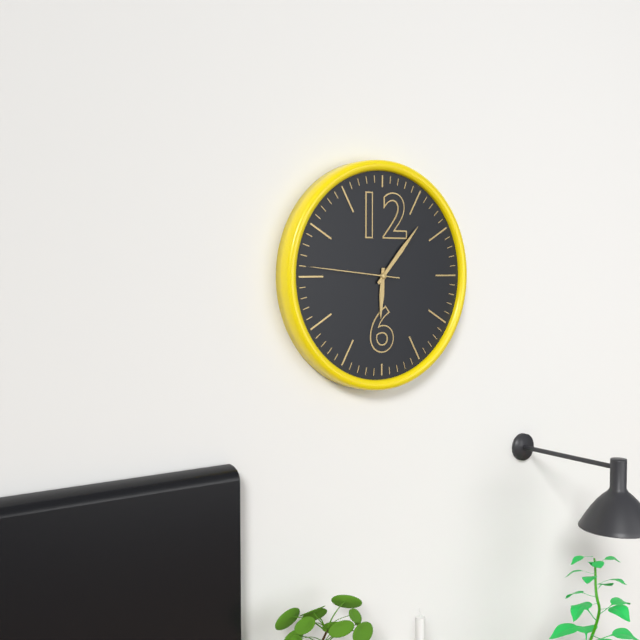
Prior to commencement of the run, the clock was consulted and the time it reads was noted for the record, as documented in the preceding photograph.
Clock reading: 6:07:46
